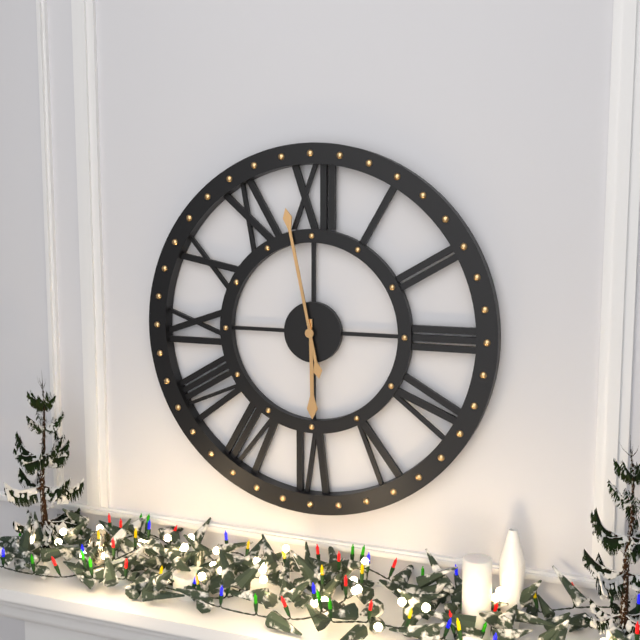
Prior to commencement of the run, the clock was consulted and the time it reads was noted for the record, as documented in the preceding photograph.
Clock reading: 5:58
